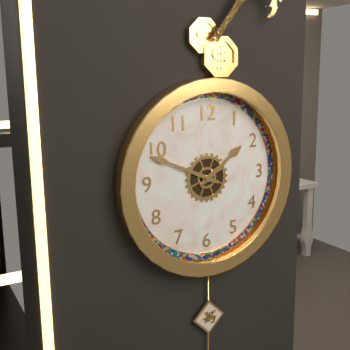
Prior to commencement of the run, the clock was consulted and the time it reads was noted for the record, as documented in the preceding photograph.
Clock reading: 1:49
